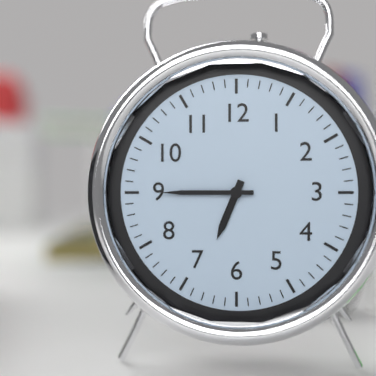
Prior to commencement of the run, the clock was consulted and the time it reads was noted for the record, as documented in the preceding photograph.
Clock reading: 6:45
